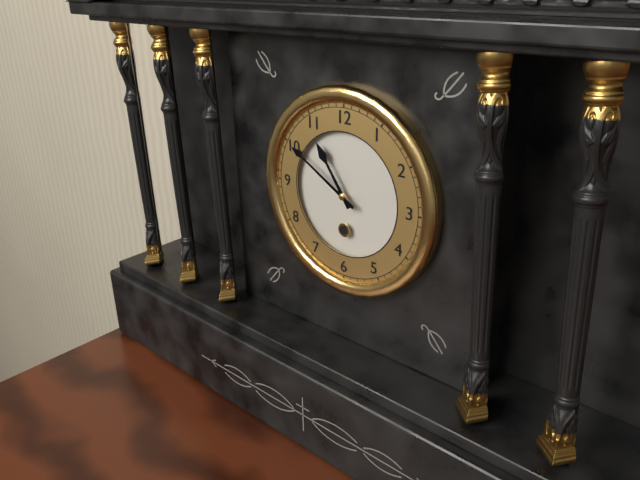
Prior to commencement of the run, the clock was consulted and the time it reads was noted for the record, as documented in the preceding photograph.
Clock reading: 10:50
